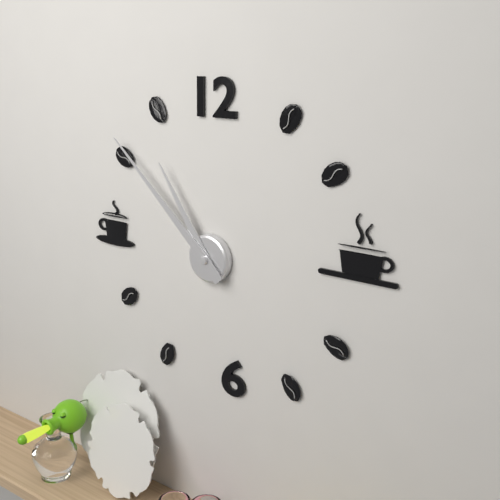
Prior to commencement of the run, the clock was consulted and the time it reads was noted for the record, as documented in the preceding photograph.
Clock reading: 10:52
